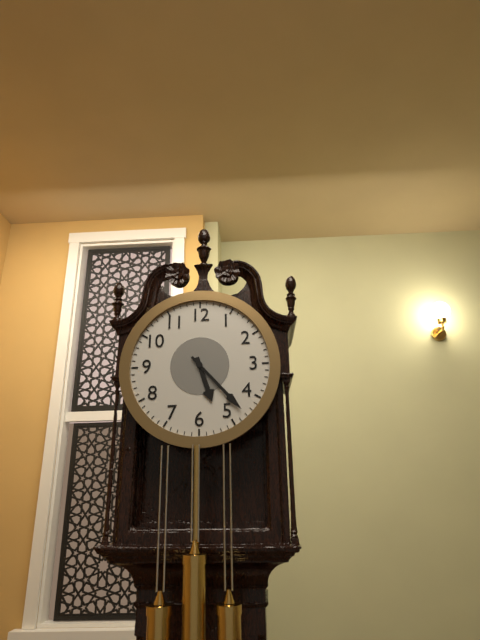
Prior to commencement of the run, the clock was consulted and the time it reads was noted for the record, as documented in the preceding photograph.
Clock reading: 5:23
